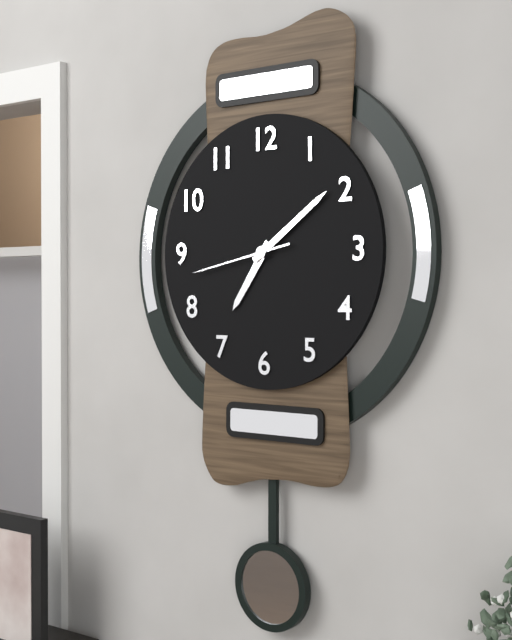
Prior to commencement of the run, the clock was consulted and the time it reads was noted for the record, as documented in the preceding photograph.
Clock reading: 7:09:43
